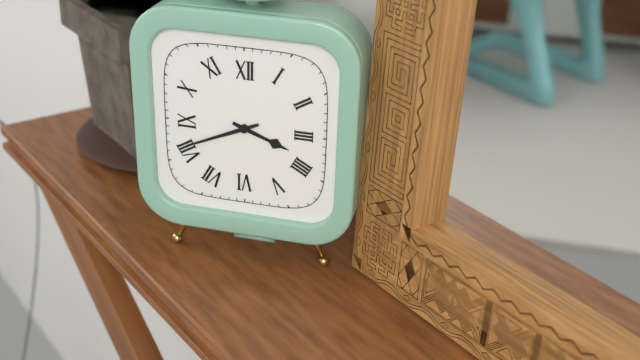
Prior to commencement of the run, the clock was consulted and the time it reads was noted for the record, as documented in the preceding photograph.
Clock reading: 3:41
